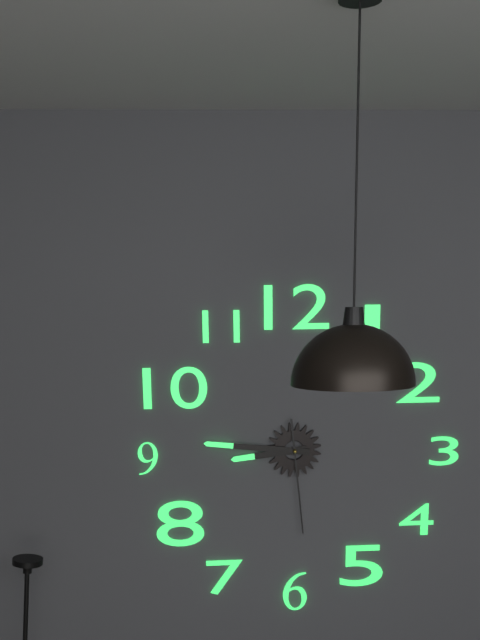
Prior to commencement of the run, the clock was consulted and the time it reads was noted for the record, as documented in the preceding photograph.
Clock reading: 8:46:29
